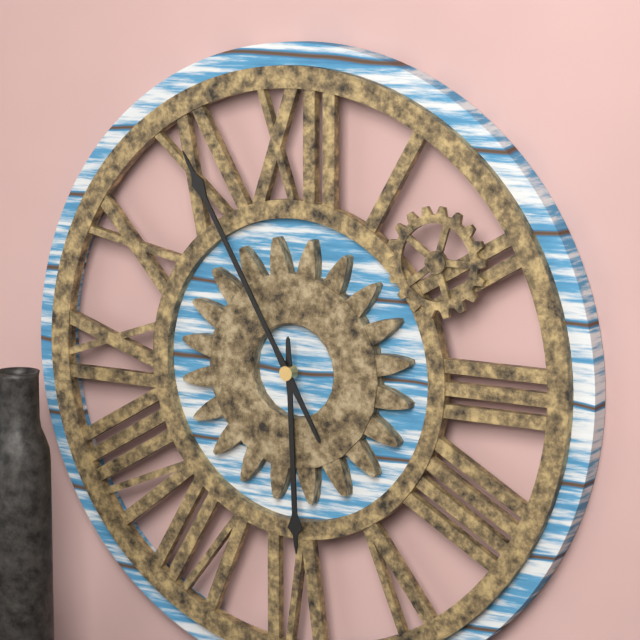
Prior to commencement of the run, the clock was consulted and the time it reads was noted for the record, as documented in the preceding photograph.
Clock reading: 5:55
